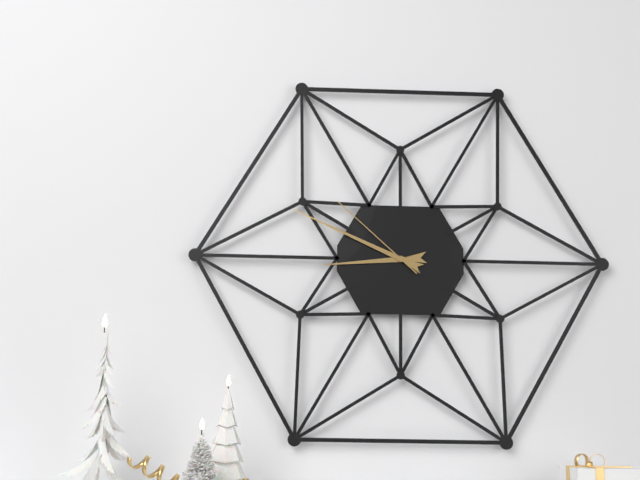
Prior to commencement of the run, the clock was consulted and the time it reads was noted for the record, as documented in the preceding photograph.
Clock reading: 8:49:52
